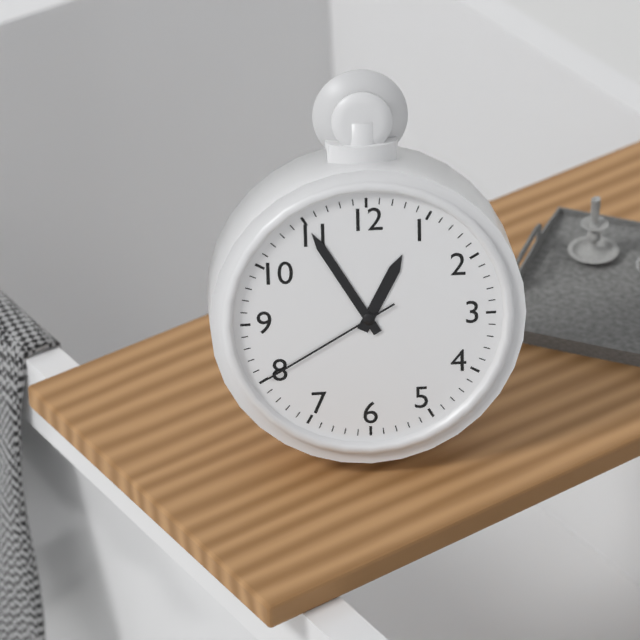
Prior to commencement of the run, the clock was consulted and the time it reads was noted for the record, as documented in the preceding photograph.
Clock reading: 12:55:40
